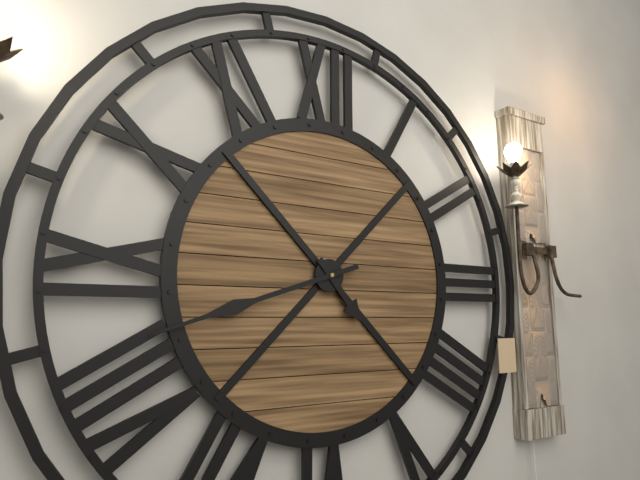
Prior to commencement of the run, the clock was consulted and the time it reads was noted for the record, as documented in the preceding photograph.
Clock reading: 4:42
